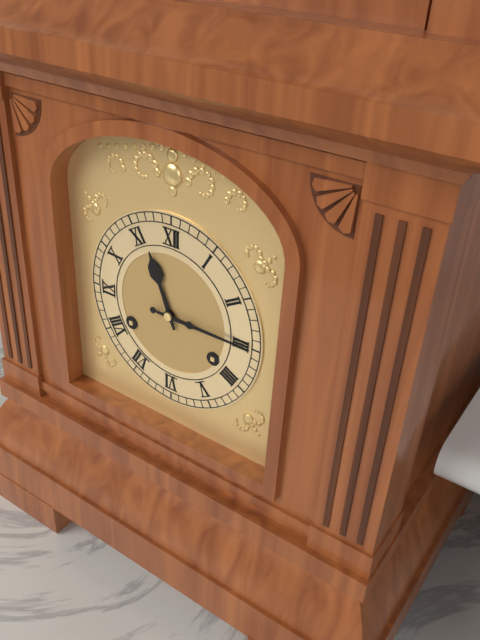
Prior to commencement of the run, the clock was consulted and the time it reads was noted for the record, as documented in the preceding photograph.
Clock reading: 11:15
